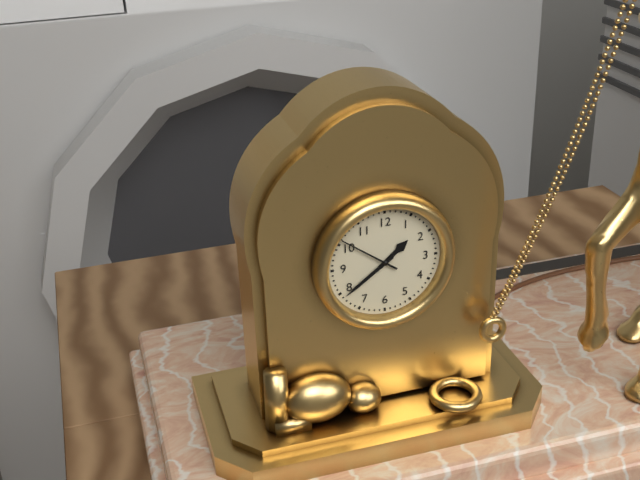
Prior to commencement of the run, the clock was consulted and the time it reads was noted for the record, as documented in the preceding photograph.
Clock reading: 1:39:51
